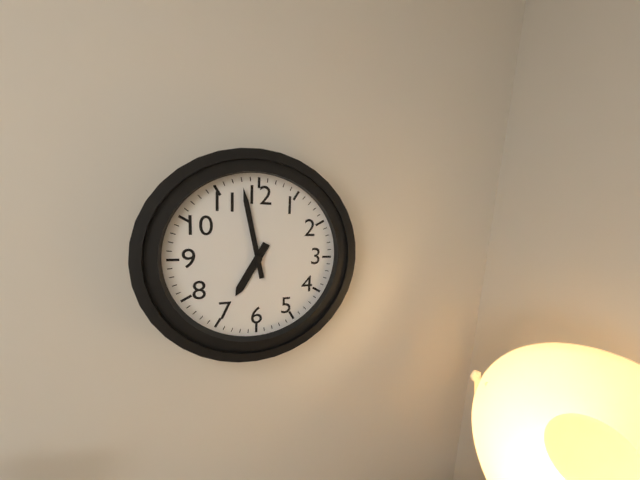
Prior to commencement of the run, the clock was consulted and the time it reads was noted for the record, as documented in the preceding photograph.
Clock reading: 6:58
